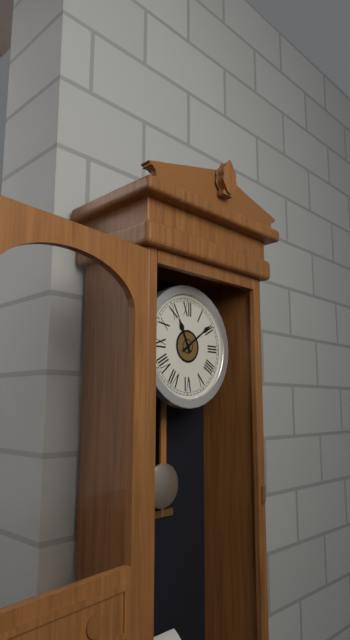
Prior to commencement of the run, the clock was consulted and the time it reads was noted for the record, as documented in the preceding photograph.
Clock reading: 11:09
